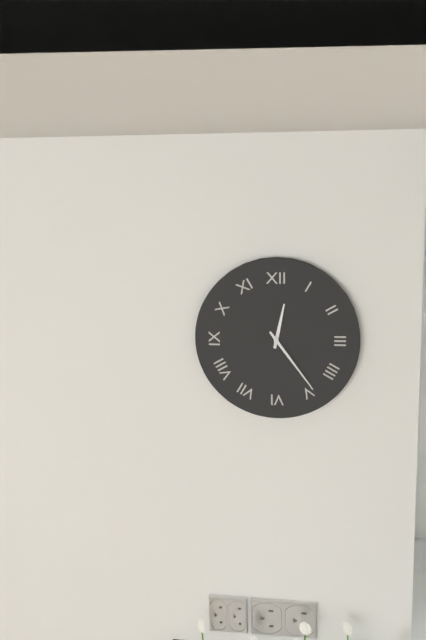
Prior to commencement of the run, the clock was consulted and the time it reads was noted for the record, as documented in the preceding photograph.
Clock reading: 12:24
